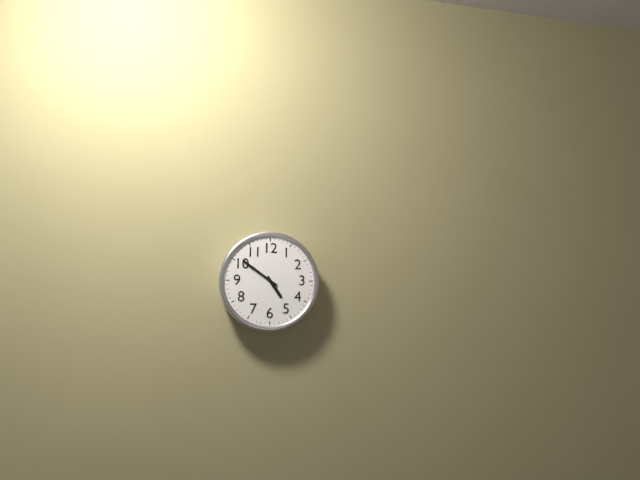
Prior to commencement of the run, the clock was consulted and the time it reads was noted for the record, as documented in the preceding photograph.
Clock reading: 4:51
